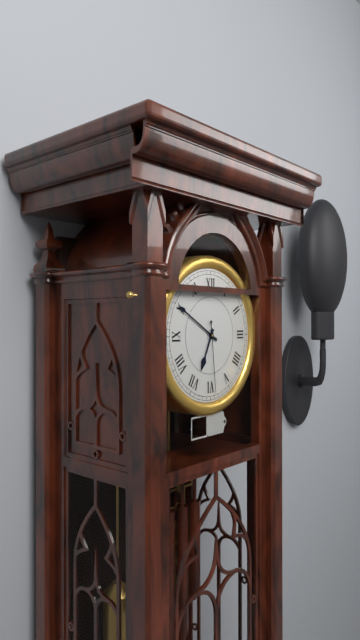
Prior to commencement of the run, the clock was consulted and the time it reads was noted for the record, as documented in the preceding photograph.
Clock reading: 6:50:29
